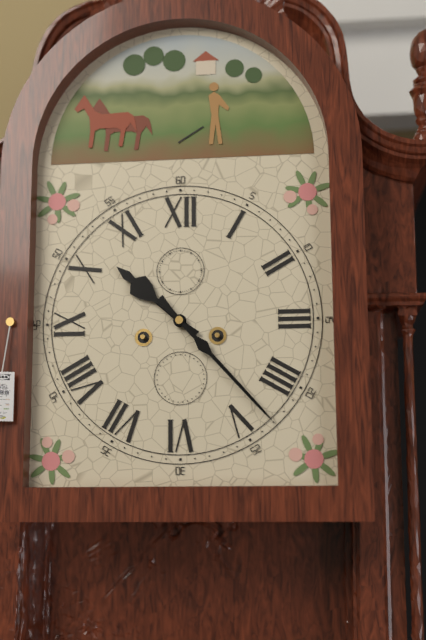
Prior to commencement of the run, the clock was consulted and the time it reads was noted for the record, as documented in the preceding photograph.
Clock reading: 10:23
